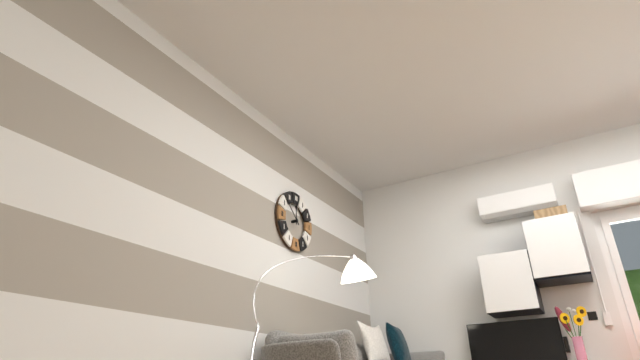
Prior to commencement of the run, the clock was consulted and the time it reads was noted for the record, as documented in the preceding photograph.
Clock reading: 11:52
